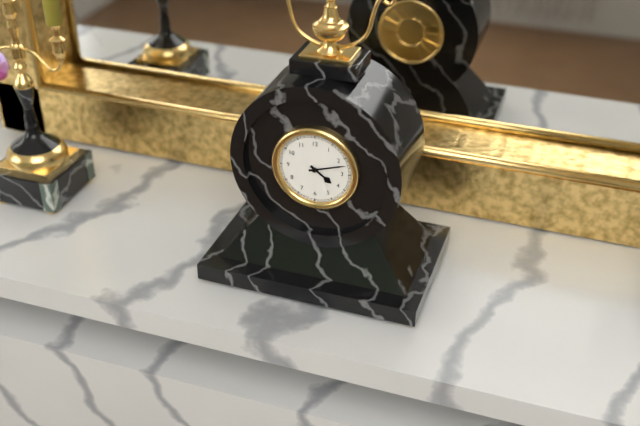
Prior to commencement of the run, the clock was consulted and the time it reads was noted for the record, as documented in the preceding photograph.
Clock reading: 4:12
